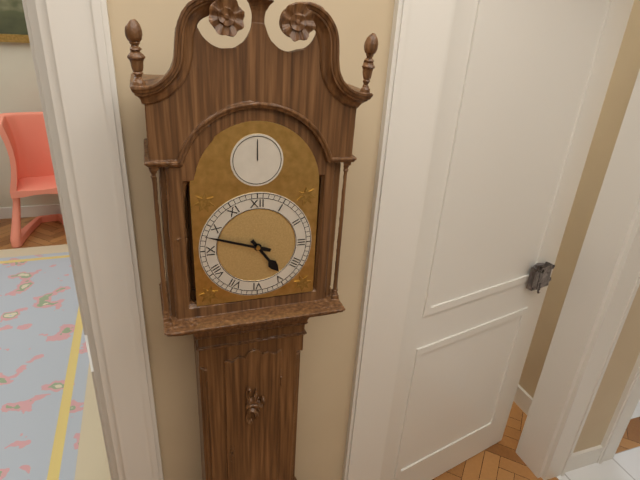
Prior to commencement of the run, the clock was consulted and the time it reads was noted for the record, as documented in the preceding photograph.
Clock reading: 4:48
